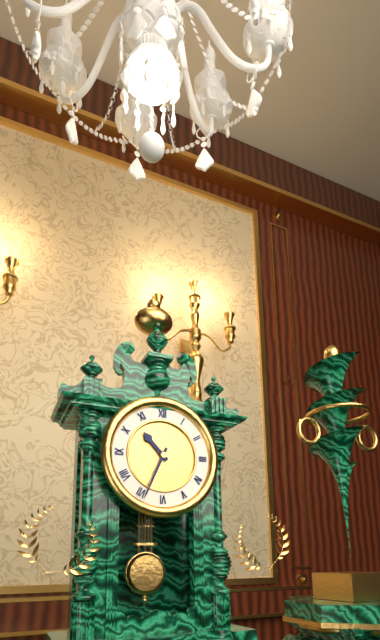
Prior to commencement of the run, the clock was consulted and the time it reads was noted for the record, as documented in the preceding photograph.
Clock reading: 10:34
